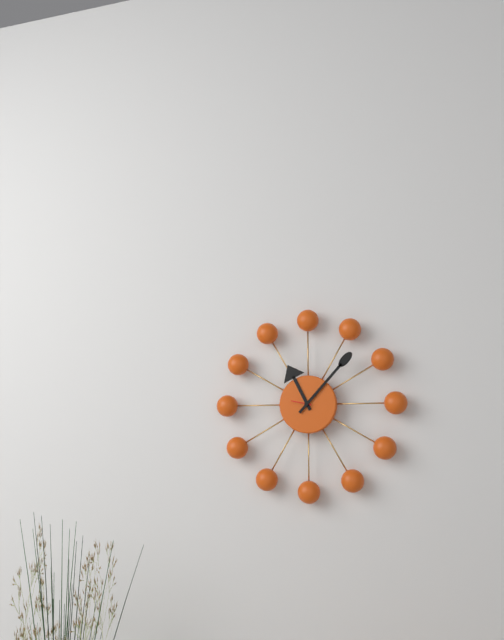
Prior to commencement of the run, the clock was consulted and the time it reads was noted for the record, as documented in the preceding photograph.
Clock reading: 11:07
